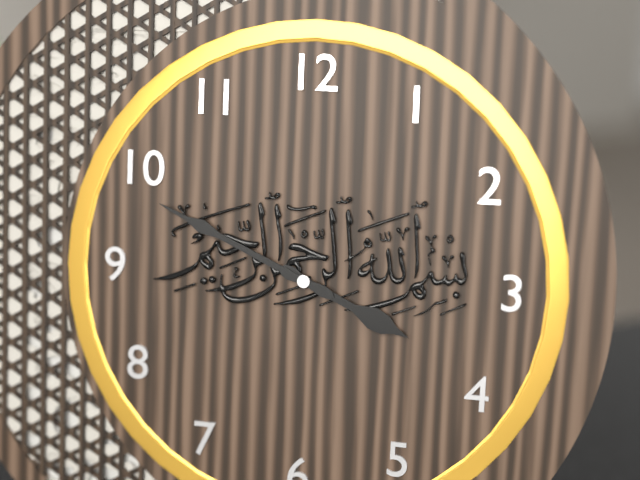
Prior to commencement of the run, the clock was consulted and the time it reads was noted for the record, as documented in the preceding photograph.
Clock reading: 3:49
